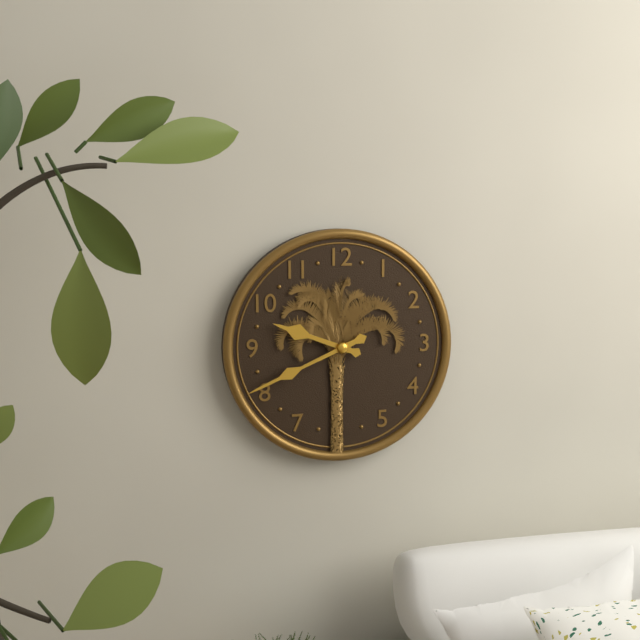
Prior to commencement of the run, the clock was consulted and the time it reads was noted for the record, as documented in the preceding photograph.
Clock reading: 9:41
